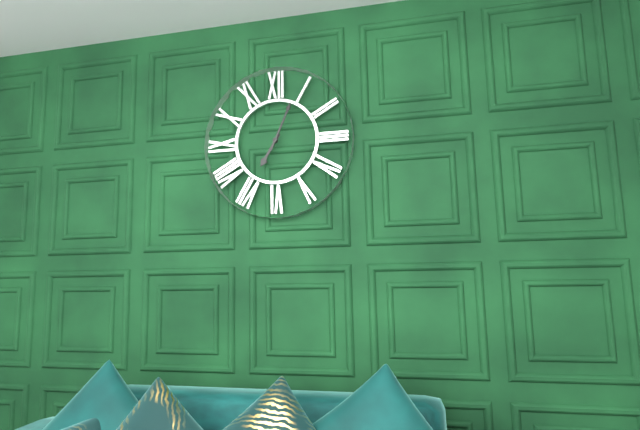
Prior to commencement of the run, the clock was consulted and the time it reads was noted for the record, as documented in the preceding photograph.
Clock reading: 7:04
